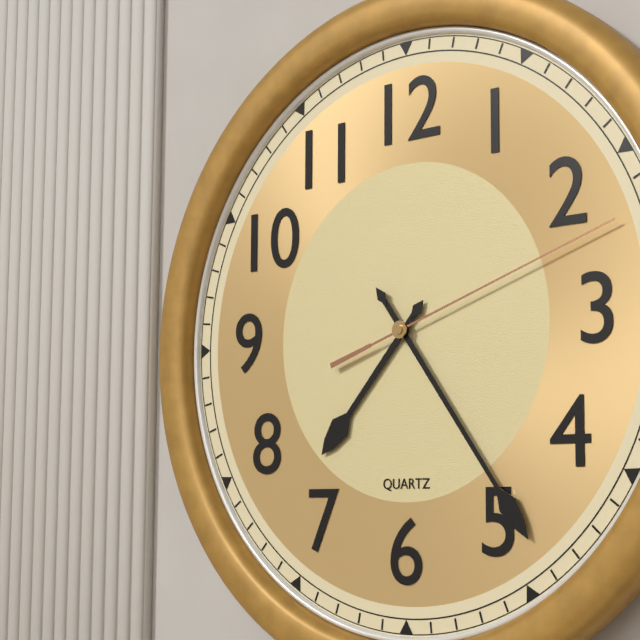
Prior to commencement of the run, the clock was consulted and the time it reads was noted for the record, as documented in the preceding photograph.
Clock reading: 7:24:12
